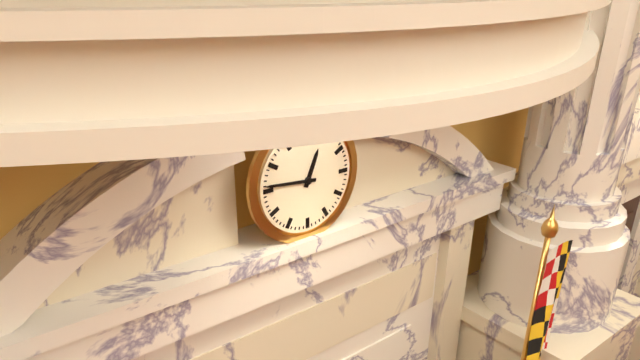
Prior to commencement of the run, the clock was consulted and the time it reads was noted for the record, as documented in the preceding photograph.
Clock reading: 12:46
